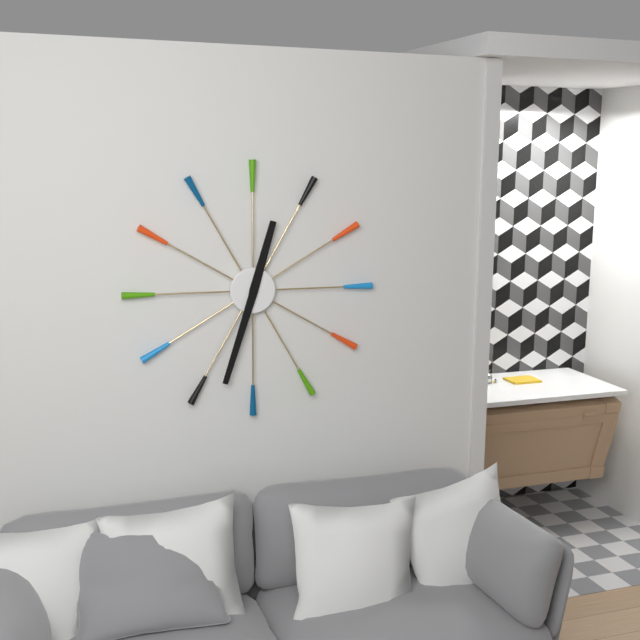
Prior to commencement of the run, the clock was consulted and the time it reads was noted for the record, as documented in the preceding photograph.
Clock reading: 12:33
